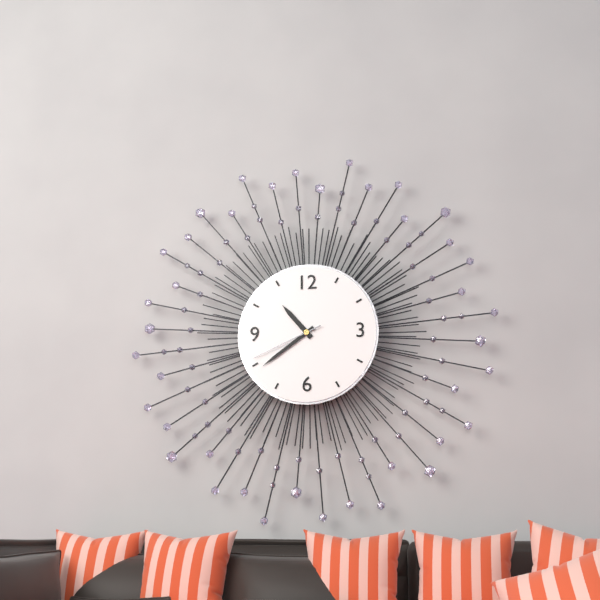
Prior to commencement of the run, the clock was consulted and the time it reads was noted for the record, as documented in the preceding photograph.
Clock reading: 10:39:41
